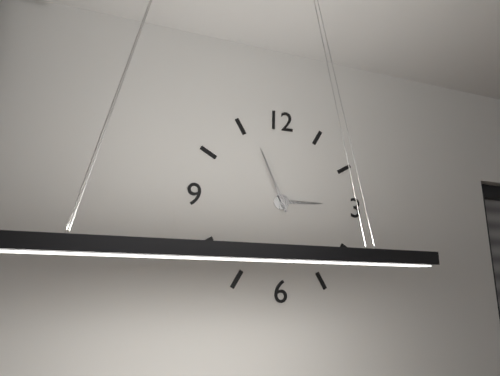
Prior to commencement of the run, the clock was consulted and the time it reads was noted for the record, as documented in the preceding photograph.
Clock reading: 2:56
